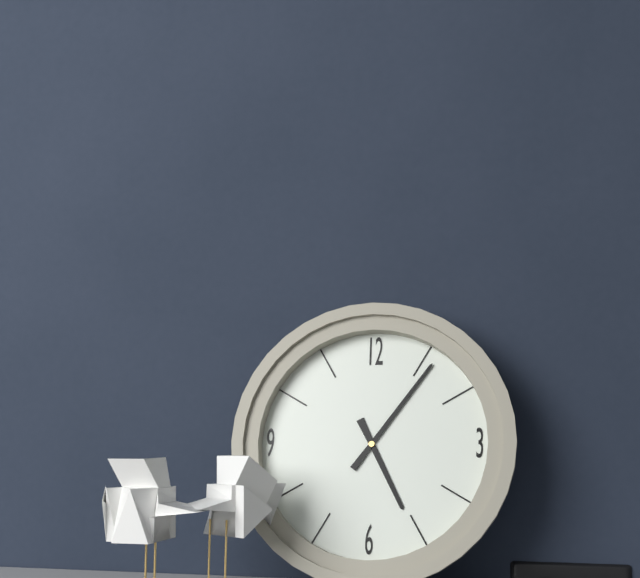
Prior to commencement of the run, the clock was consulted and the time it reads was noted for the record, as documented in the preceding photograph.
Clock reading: 5:06
